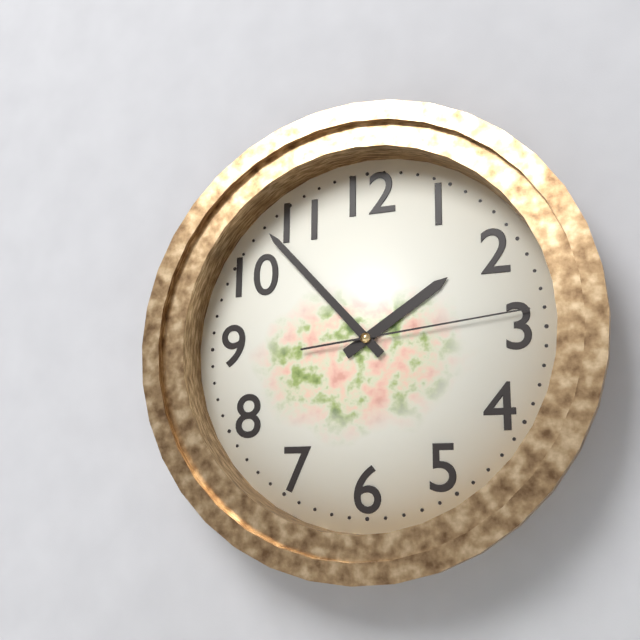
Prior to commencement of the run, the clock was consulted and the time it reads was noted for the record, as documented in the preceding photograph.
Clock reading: 1:53:14
